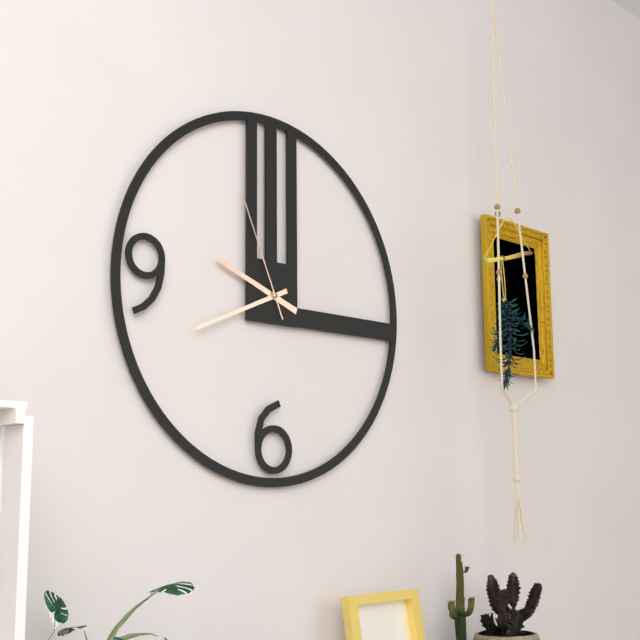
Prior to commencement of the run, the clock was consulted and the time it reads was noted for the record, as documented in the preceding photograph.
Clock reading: 9:41:56
